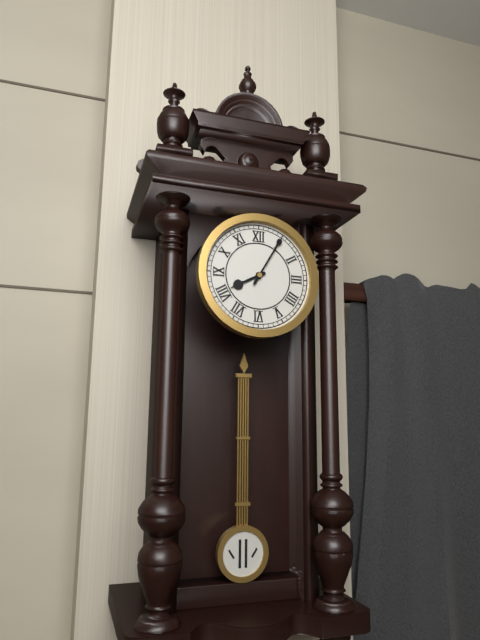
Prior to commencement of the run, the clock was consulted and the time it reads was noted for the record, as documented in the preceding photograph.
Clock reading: 8:05
